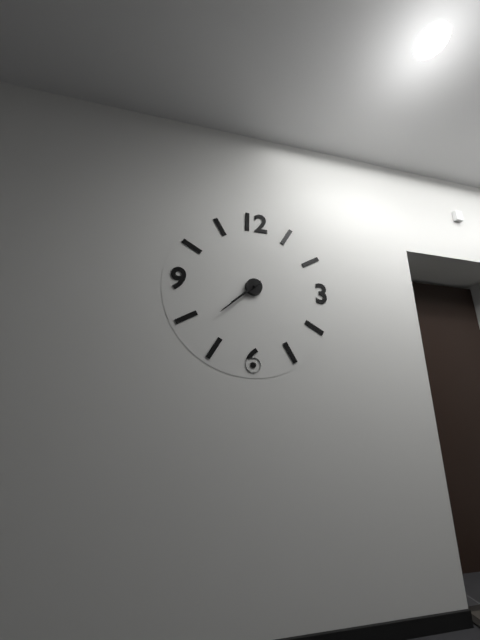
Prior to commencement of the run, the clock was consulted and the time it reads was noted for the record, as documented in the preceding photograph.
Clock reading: 7:38
